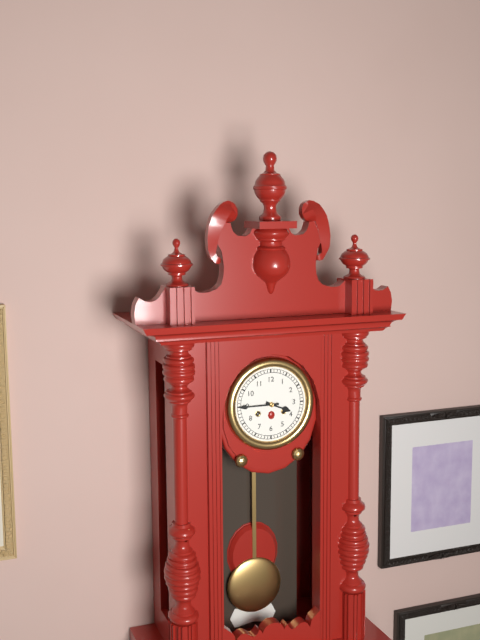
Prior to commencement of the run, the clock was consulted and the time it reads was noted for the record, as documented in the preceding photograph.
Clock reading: 3:45
